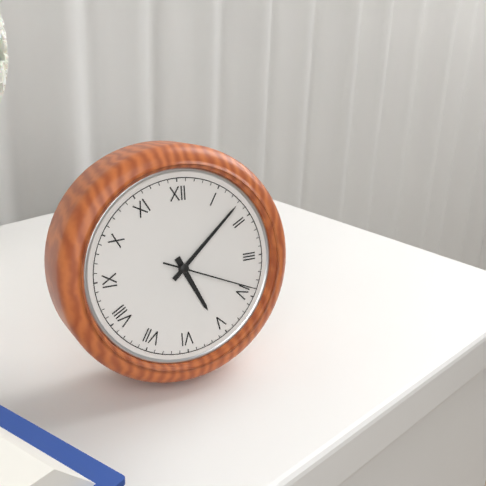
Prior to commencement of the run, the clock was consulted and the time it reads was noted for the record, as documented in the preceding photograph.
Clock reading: 5:08:19
